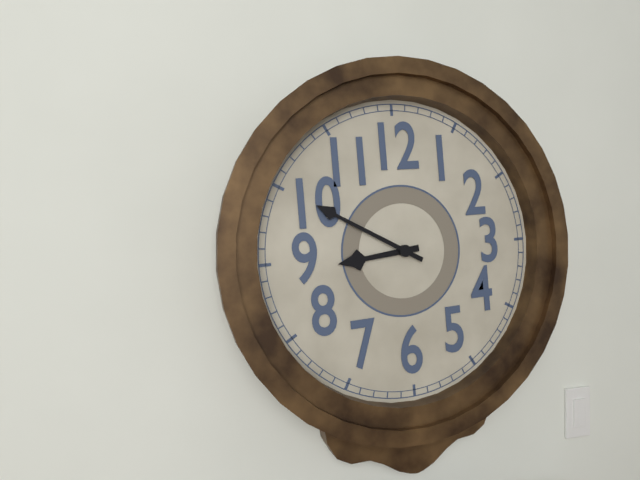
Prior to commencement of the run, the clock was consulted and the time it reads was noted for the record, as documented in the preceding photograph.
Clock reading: 8:50
